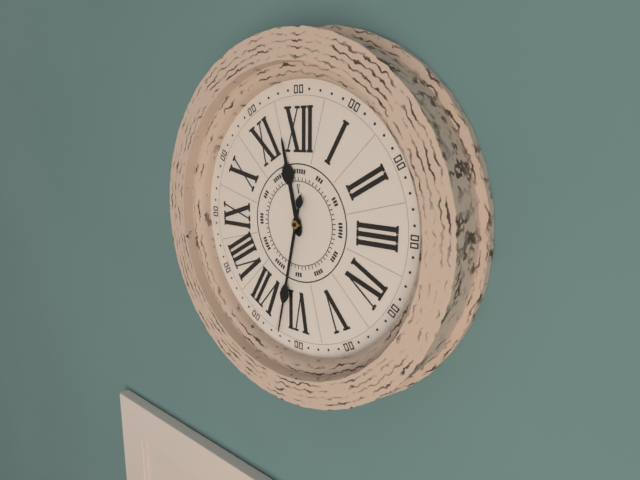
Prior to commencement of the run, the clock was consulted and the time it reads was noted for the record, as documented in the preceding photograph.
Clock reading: 11:32
